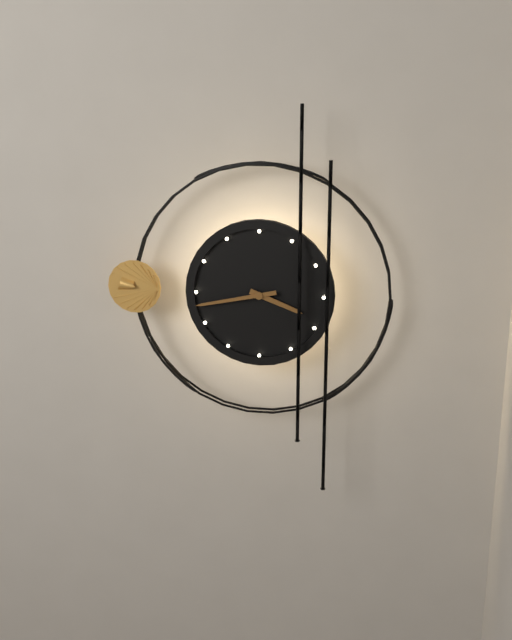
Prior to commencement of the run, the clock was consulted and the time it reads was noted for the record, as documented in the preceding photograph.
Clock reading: 3:43
